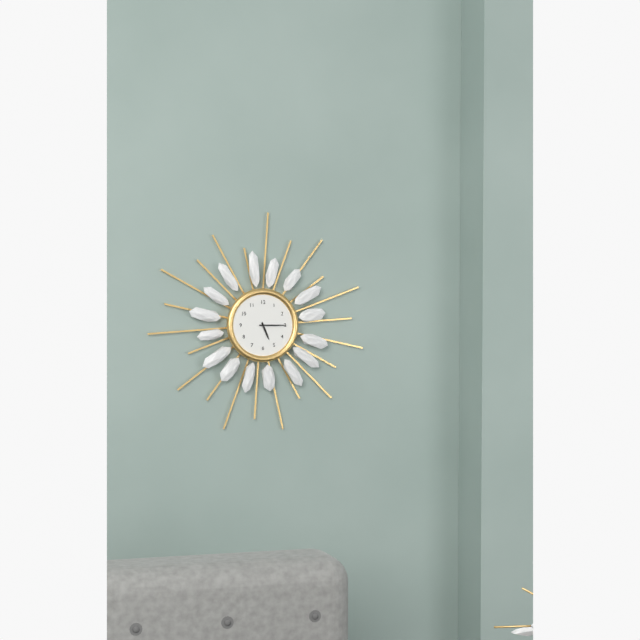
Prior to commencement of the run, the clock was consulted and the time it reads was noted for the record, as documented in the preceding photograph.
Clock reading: 5:15
